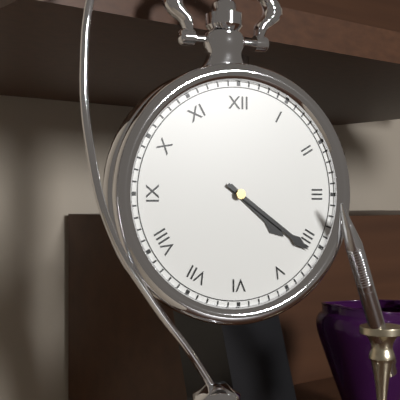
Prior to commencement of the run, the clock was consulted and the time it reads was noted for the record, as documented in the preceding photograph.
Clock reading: 4:21
